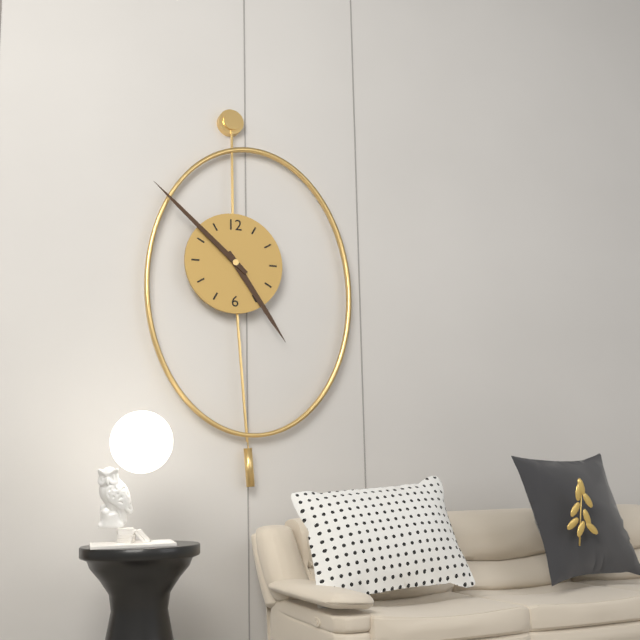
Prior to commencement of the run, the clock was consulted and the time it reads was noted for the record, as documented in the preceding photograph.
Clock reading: 4:52
